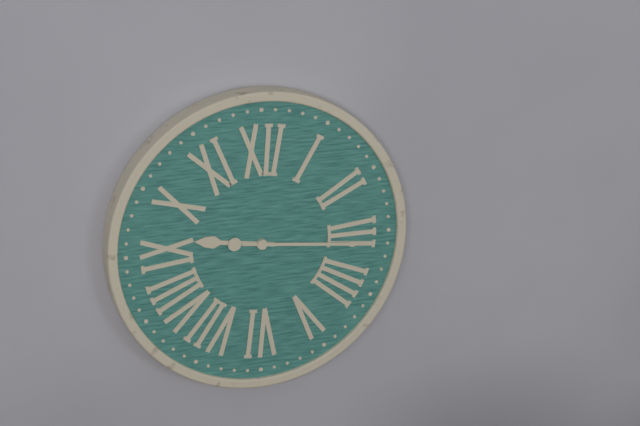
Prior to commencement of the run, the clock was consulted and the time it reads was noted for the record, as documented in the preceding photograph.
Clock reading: 9:16
